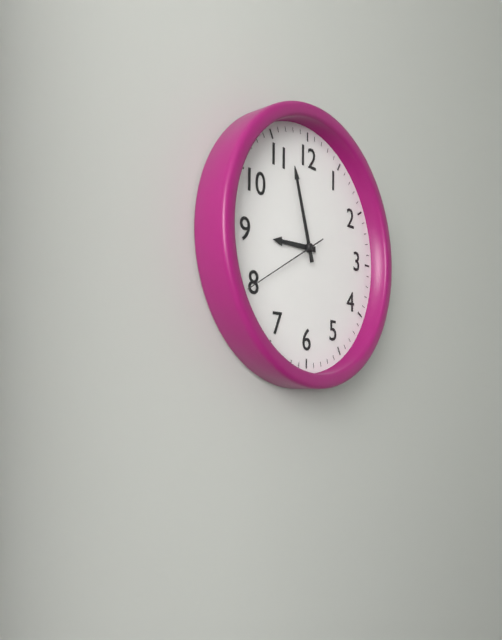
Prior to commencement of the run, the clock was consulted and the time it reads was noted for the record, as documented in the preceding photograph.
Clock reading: 8:57:40
